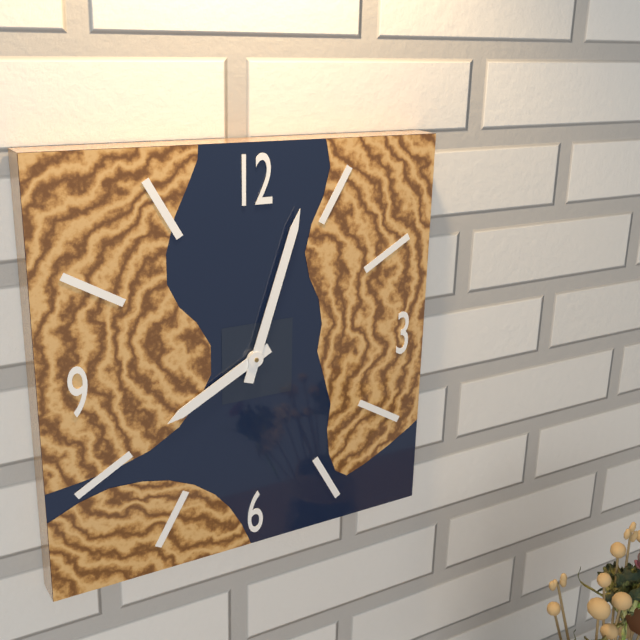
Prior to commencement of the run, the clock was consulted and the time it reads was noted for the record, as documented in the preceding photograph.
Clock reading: 8:03
